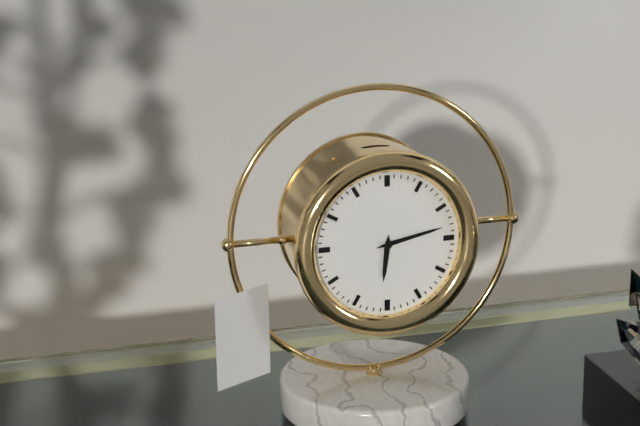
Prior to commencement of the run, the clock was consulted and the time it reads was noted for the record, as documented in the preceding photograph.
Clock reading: 6:13
